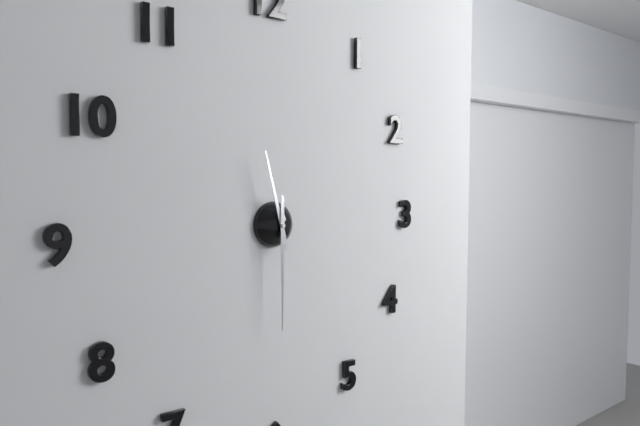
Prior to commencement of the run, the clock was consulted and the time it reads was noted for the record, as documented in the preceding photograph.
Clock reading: 11:30
